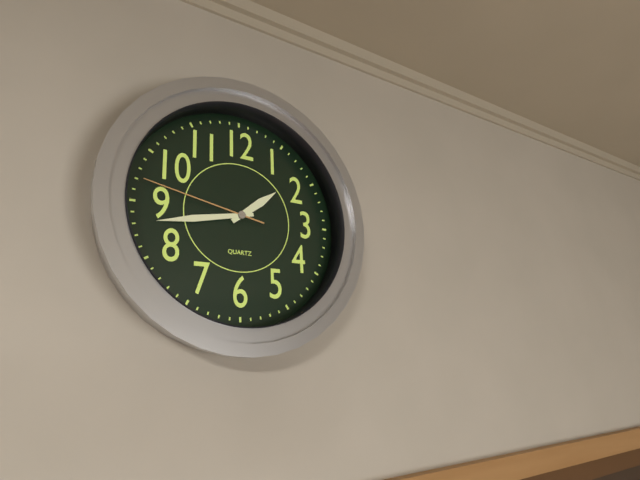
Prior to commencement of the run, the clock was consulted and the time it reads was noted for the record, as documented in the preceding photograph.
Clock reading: 1:43:47
